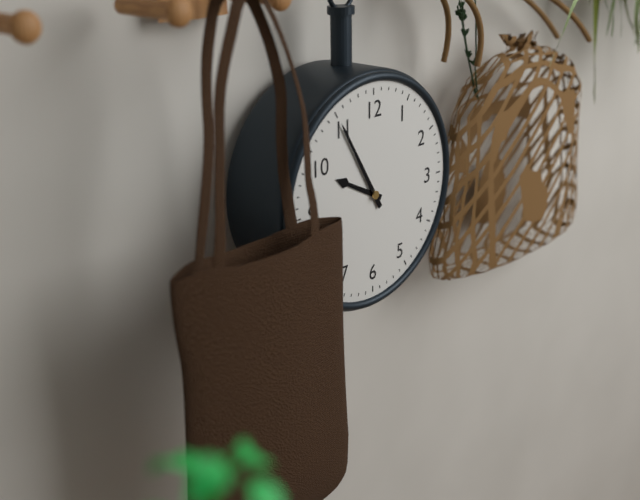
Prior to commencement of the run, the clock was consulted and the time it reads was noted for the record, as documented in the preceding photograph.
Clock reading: 9:55
